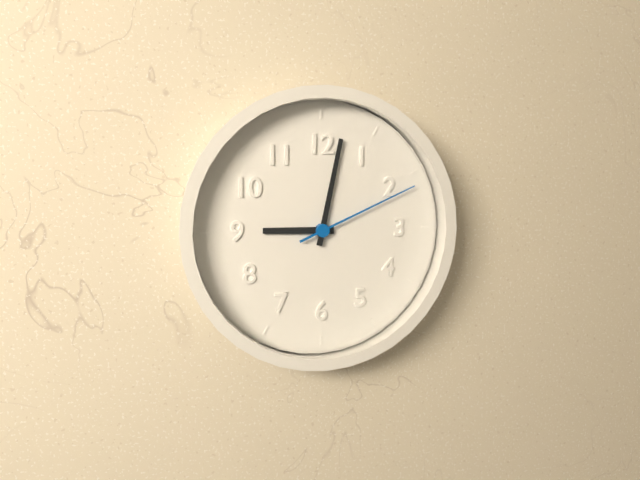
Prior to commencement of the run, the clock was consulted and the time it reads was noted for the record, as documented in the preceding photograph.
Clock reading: 9:02:11
